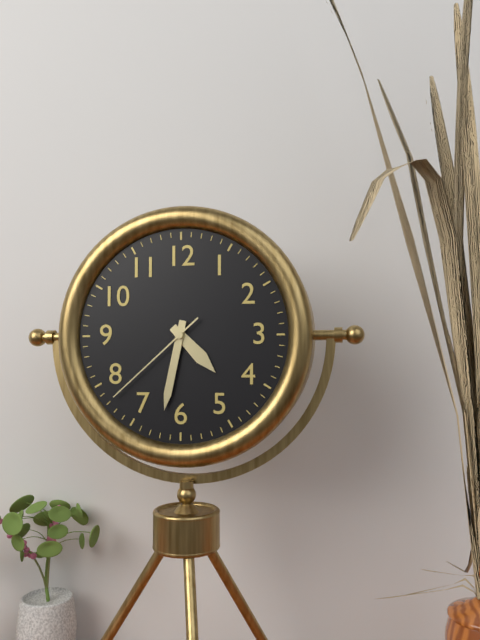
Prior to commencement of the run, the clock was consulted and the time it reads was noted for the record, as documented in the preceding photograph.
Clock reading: 4:32:38
